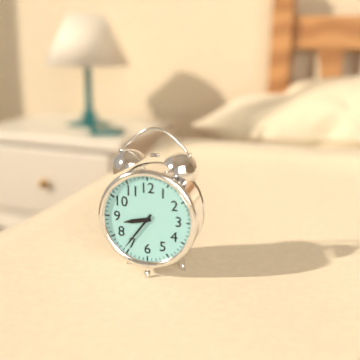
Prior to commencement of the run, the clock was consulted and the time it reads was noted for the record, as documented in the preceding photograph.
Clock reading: 8:36
